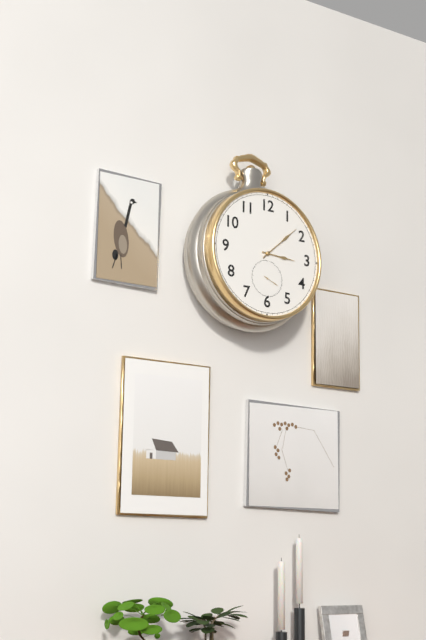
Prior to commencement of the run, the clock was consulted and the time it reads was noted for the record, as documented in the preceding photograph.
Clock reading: 3:08
